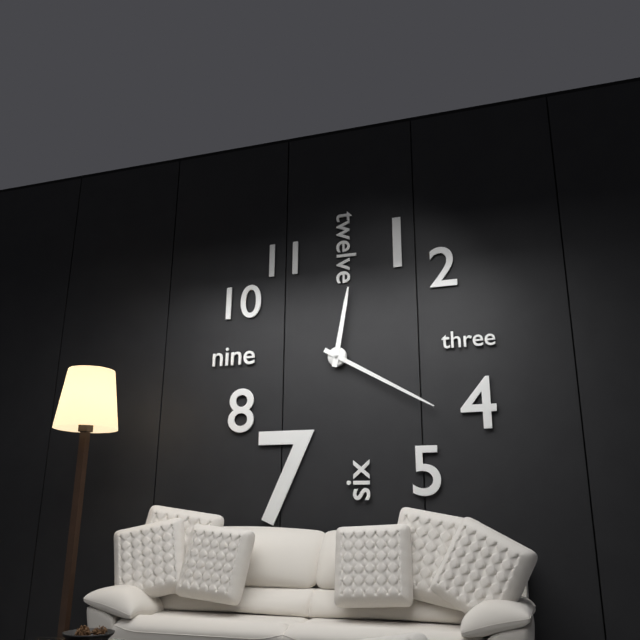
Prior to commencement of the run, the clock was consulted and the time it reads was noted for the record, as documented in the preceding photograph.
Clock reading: 12:20
